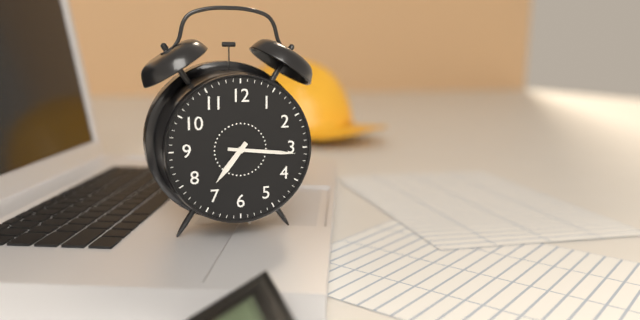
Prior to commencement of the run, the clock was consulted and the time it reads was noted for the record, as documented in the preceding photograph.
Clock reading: 7:16
